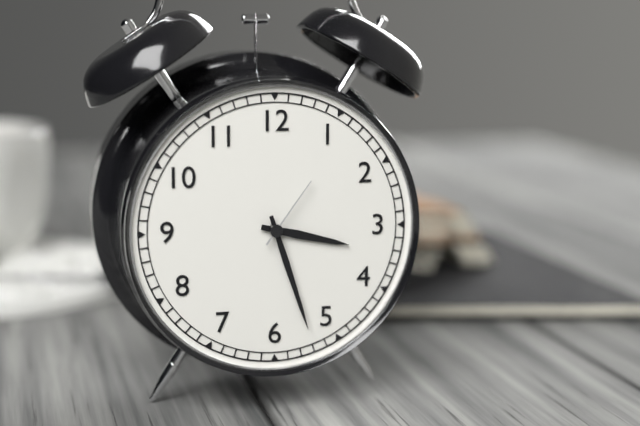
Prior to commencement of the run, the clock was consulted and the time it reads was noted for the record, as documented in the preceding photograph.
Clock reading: 3:27:06
